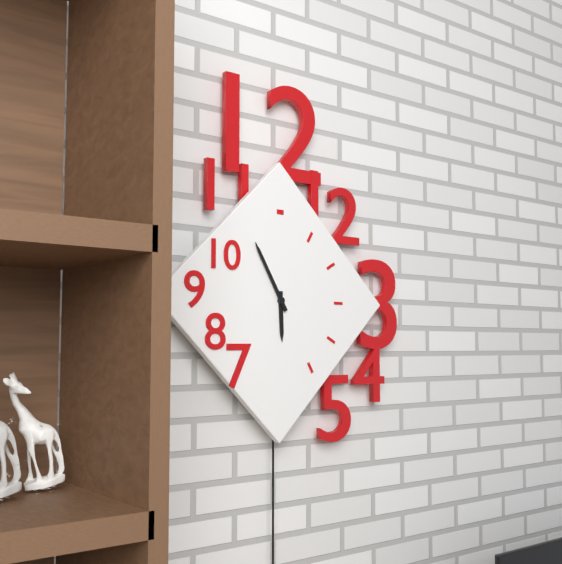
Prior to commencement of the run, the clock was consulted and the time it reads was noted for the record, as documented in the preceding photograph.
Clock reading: 5:55
